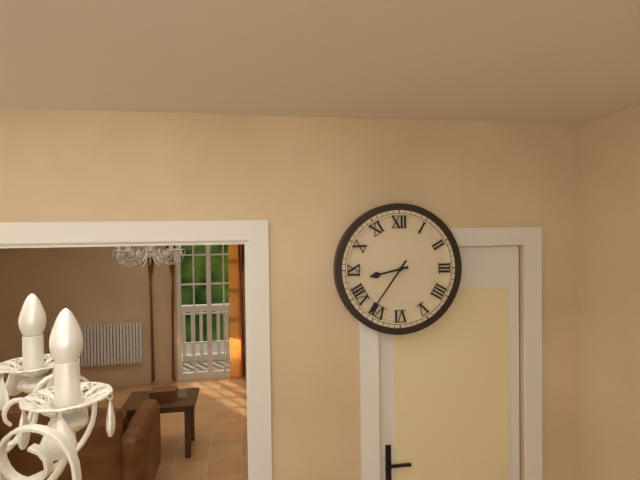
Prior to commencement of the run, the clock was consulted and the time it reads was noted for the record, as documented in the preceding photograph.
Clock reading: 8:36
